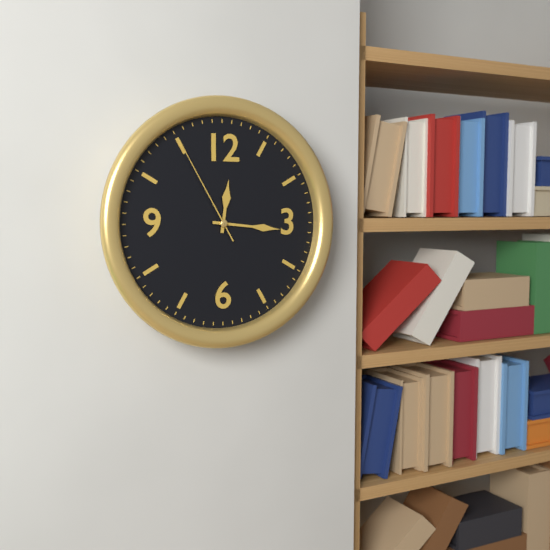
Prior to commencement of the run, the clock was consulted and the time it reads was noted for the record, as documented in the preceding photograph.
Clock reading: 12:16:55
